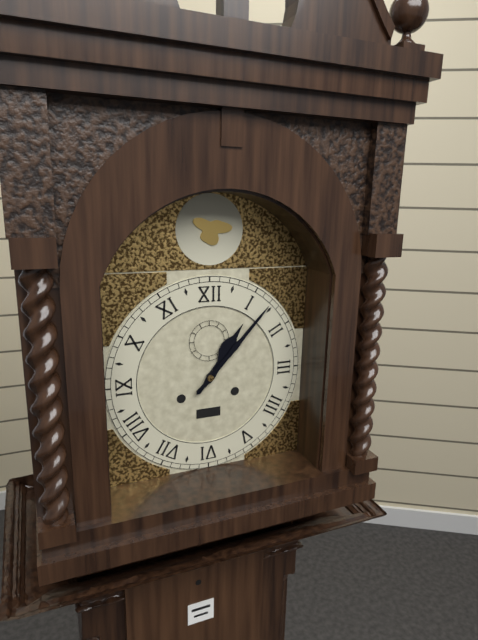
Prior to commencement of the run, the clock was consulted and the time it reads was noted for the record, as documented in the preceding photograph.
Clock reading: 1:07
